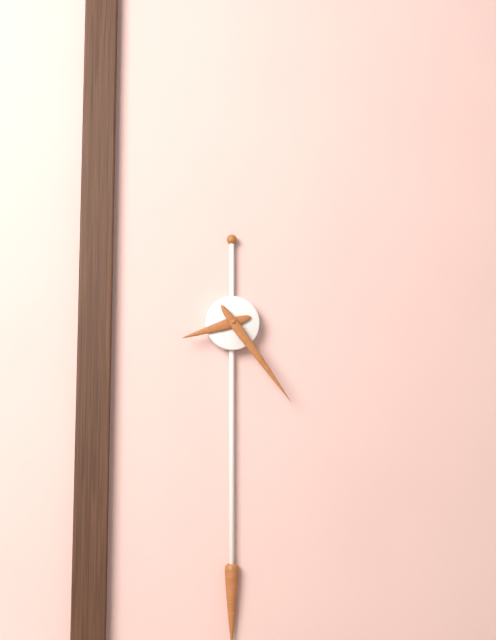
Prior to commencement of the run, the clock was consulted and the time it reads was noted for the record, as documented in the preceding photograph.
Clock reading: 8:24
